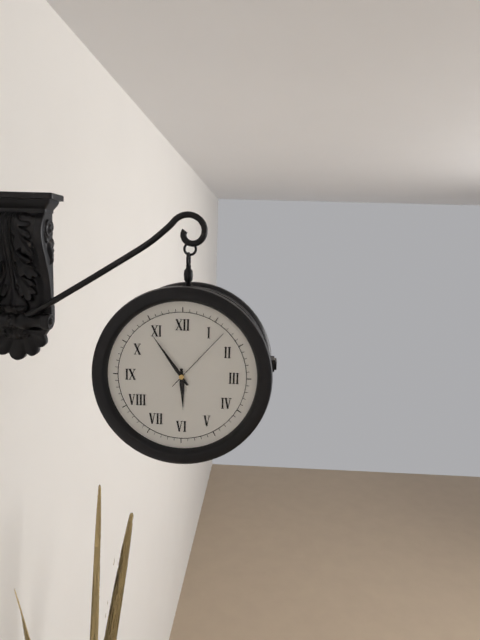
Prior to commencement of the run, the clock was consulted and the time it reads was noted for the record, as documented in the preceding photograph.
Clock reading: 5:54:07
